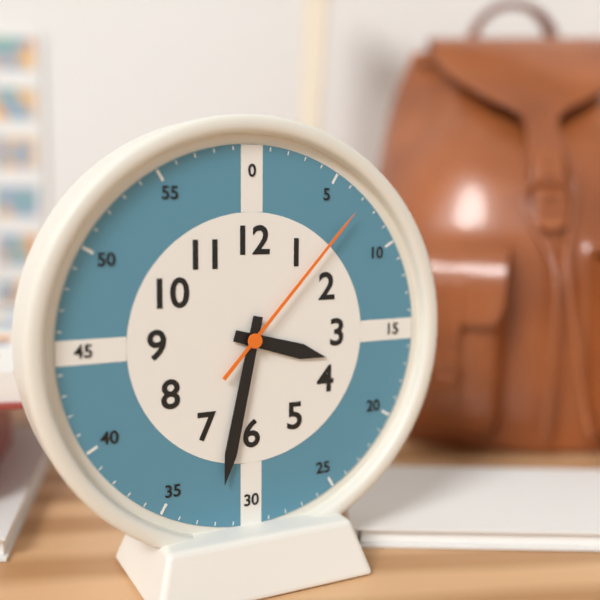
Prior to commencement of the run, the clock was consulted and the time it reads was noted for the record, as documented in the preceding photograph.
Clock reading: 3:32:07
